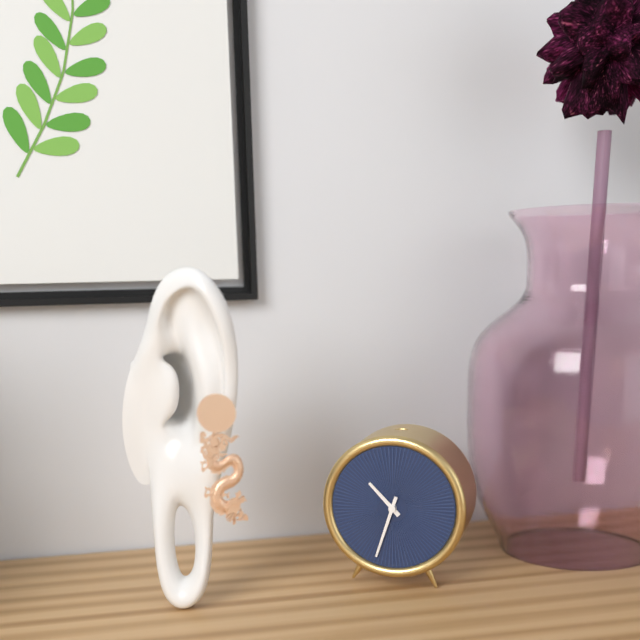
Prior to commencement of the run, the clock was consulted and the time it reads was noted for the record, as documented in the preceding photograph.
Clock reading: 10:33
